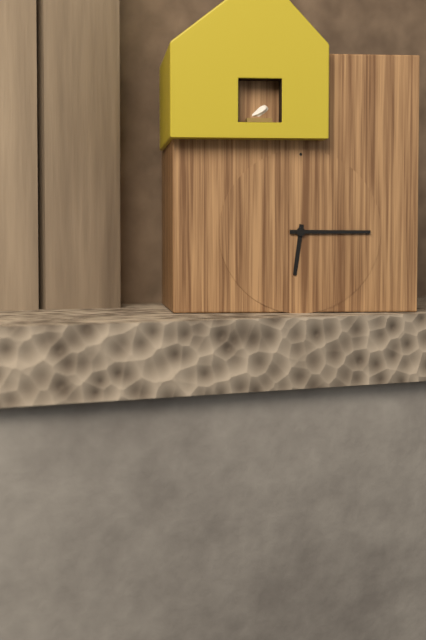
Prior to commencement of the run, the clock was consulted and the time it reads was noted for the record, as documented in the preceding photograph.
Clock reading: 6:15
